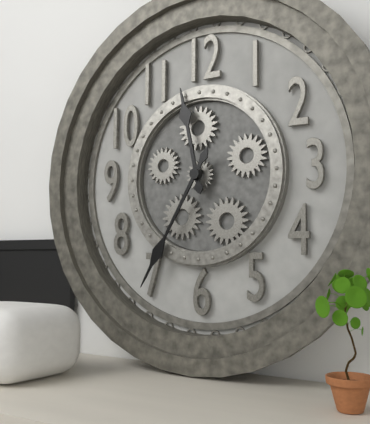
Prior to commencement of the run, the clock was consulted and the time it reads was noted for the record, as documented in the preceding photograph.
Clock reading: 11:35
